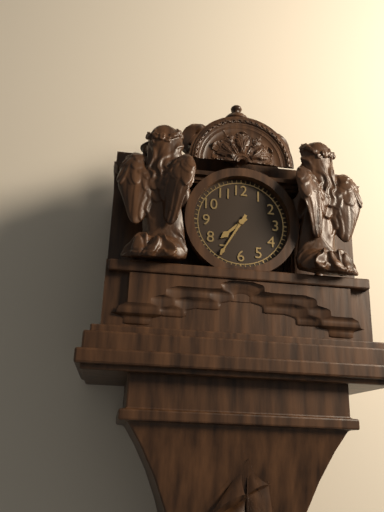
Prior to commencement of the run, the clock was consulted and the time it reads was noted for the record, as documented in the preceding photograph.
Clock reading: 7:35
